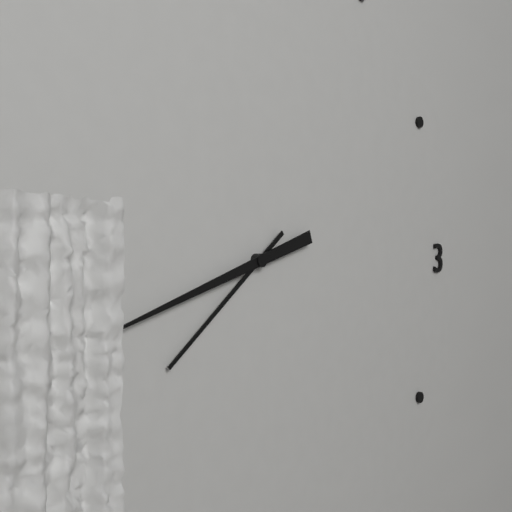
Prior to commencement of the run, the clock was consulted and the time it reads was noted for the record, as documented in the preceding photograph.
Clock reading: 7:42
